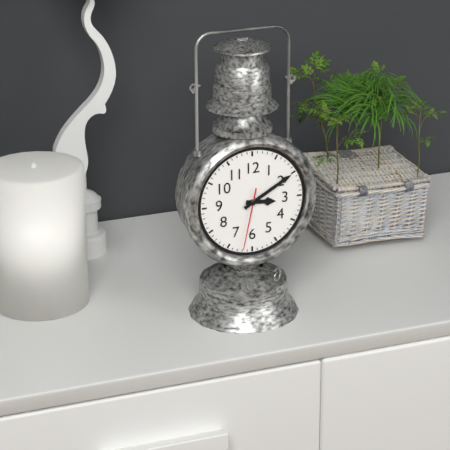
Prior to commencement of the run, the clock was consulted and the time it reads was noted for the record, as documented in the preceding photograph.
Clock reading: 3:10:32
